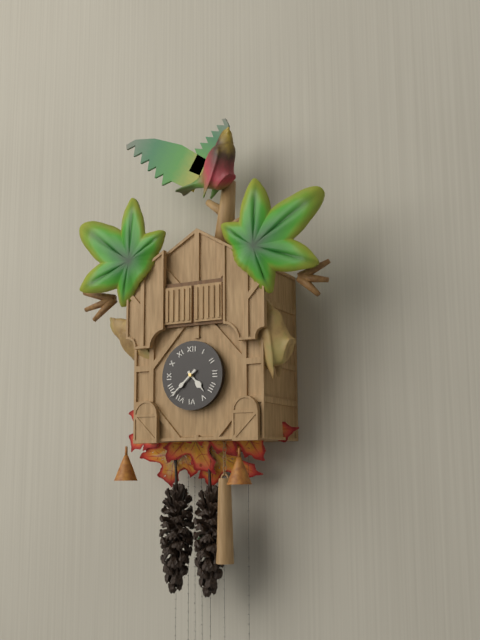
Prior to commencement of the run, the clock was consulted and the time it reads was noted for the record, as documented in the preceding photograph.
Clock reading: 4:38
